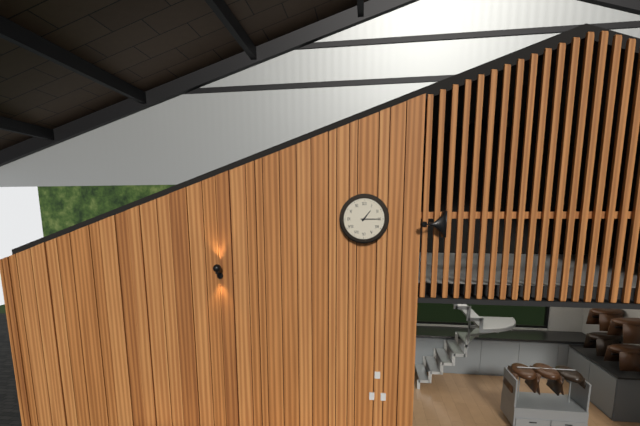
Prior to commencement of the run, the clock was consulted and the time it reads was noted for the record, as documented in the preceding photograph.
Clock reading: 1:15
